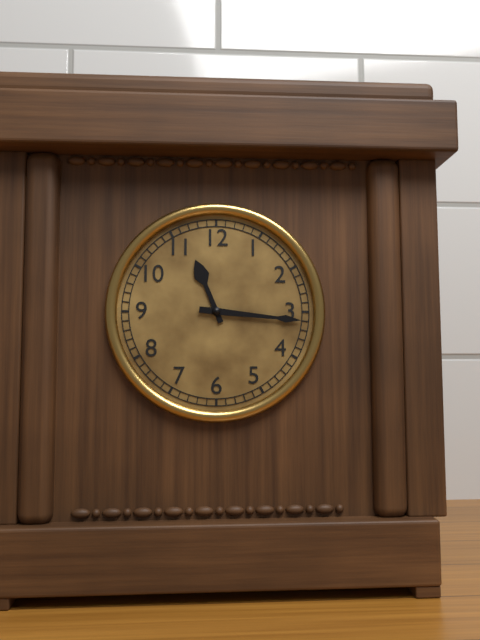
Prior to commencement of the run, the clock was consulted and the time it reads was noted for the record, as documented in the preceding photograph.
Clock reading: 11:16
